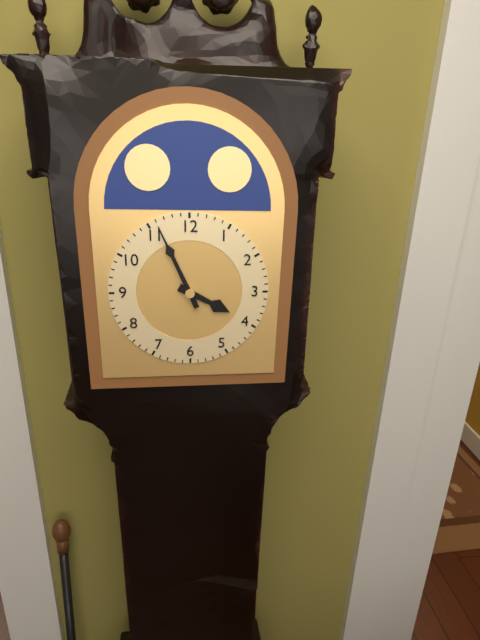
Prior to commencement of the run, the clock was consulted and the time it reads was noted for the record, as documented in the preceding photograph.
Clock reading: 3:56
